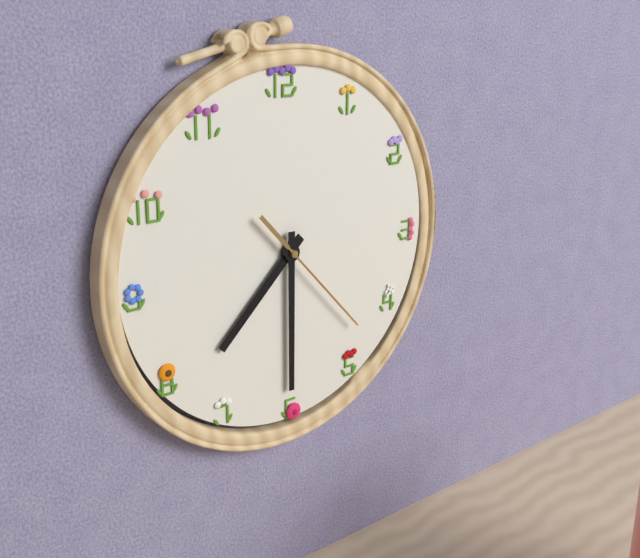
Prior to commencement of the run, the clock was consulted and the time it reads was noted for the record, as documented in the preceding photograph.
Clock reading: 7:30:23
